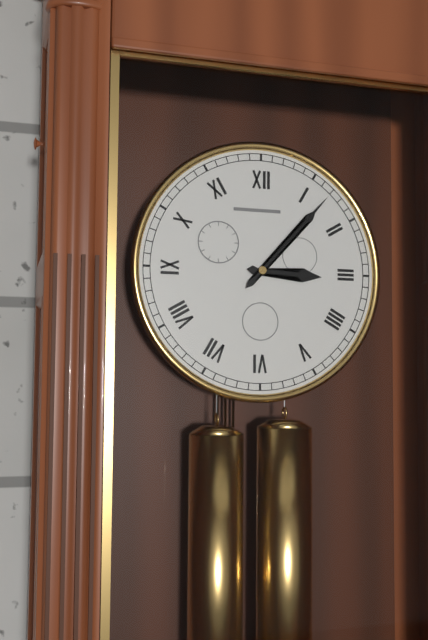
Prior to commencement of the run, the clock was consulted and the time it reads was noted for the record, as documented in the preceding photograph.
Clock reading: 3:07
